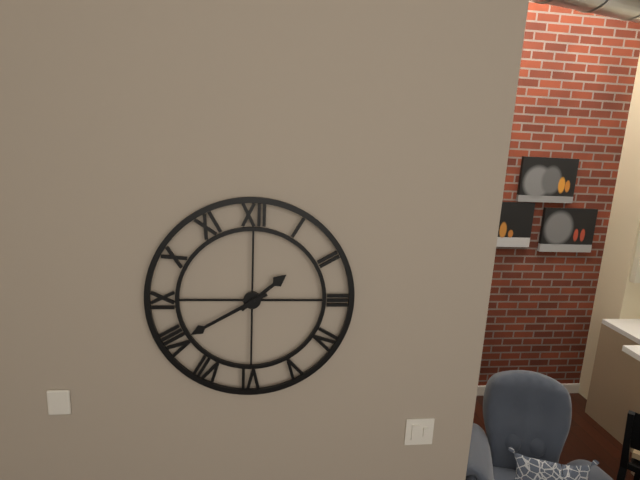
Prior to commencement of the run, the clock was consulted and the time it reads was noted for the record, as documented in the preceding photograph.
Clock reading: 1:40
